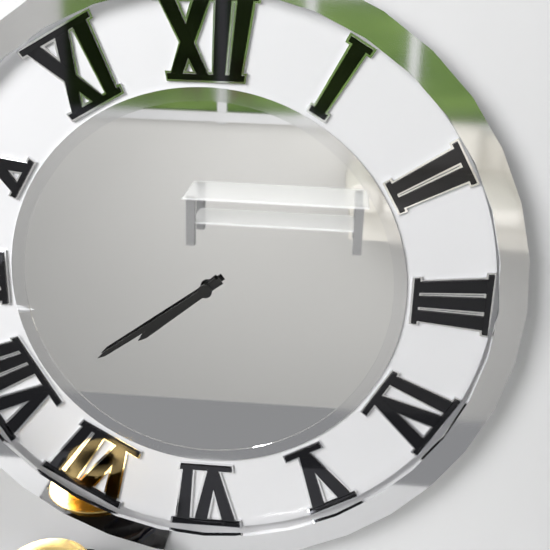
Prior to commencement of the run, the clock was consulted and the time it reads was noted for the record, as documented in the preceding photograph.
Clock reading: 7:39
